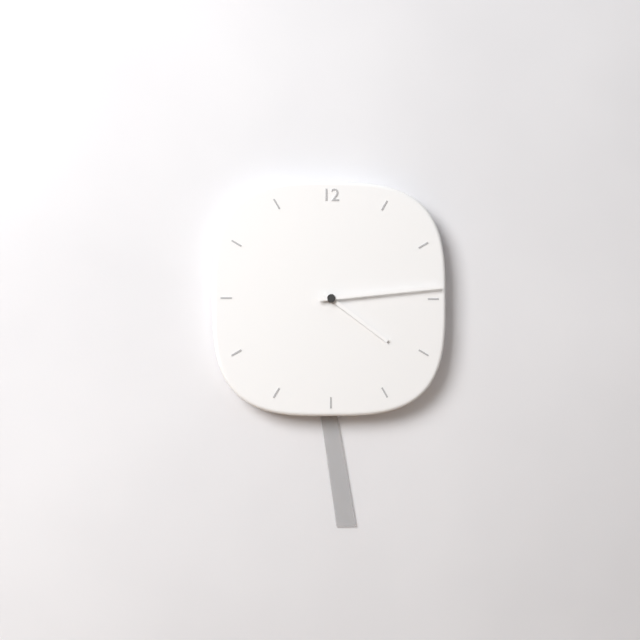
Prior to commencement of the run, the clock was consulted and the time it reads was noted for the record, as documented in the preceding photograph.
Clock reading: 4:14
